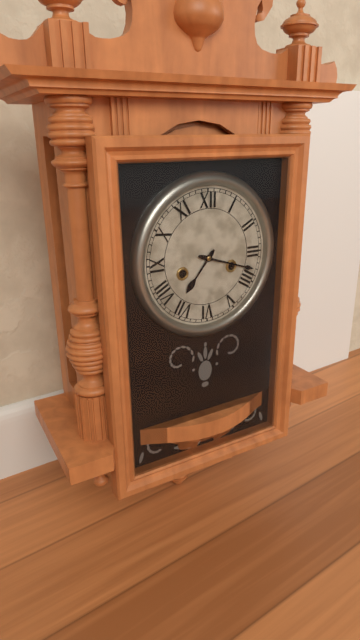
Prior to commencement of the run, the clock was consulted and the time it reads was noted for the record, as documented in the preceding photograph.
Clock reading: 7:18
